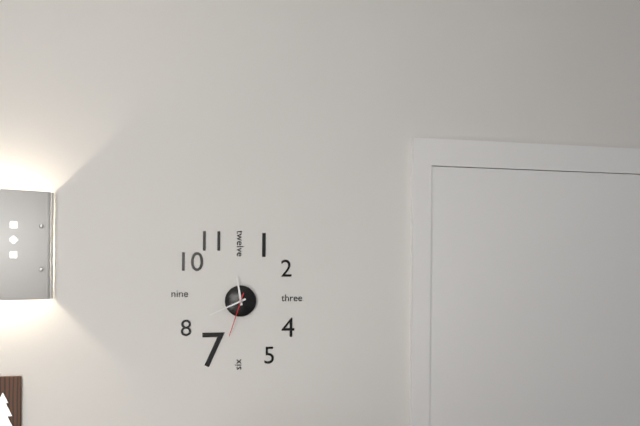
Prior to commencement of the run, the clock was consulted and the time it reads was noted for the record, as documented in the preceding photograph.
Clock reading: 11:41
